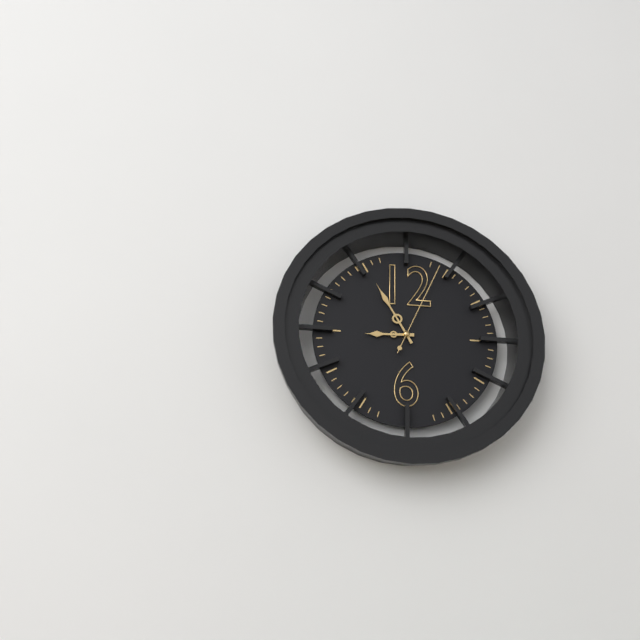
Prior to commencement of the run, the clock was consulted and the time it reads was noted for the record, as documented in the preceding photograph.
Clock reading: 8:55:04
